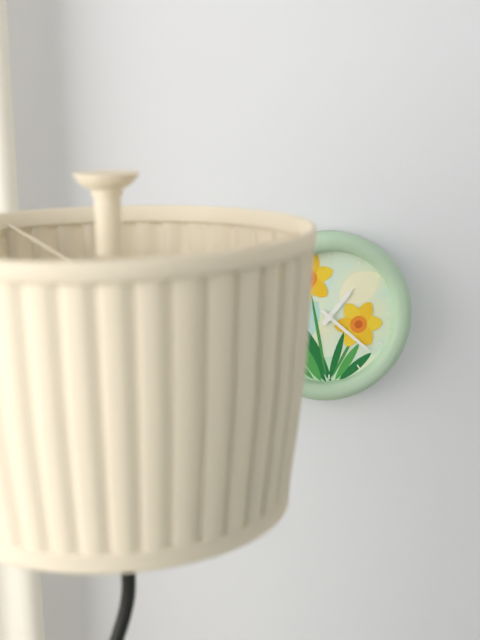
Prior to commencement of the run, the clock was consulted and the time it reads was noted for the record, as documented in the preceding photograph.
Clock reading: 1:22
